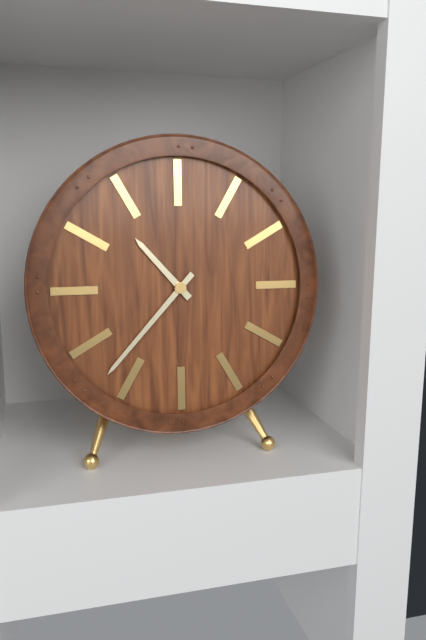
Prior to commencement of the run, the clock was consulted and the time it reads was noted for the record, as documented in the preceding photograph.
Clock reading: 10:37
